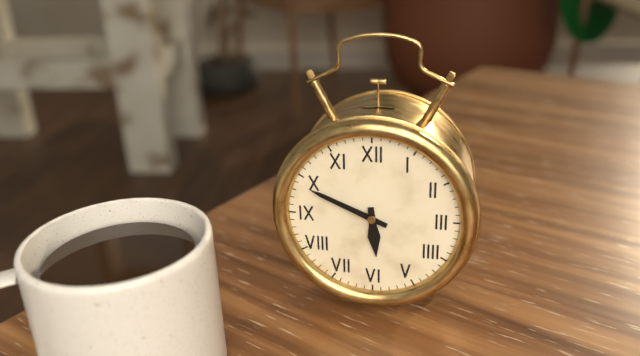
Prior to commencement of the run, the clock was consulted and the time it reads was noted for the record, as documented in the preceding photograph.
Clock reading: 5:49
